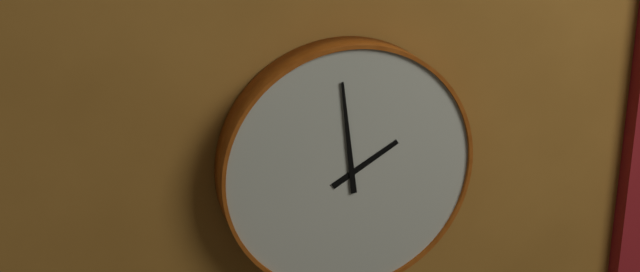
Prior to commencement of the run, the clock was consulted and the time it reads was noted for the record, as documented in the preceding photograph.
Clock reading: 1:59
